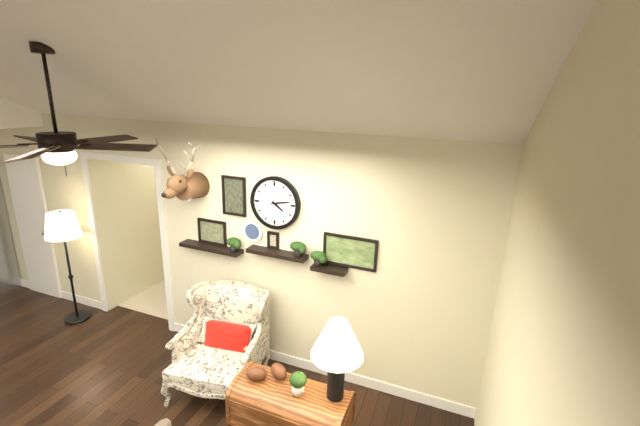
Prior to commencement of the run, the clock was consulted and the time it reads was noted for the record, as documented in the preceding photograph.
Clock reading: 4:13
